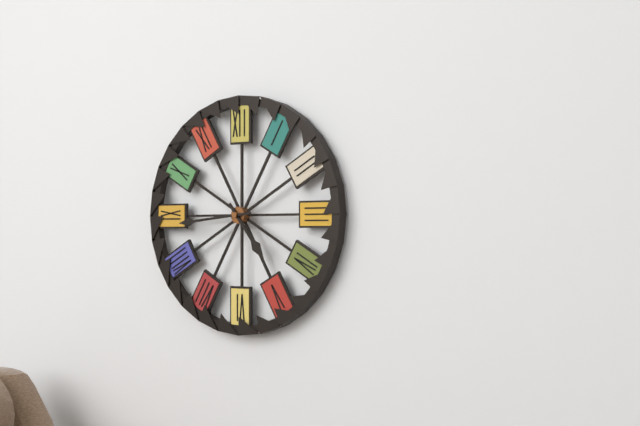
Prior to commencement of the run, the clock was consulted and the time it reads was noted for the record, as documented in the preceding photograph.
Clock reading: 4:44
